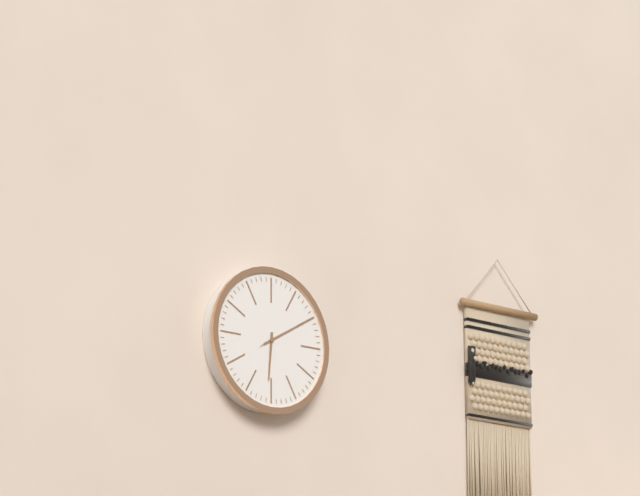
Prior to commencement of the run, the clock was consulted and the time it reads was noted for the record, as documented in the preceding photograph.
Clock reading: 6:10:10
